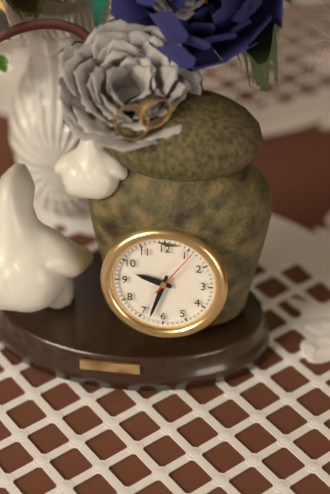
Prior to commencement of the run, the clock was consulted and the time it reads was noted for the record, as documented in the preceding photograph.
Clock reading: 9:33:06
